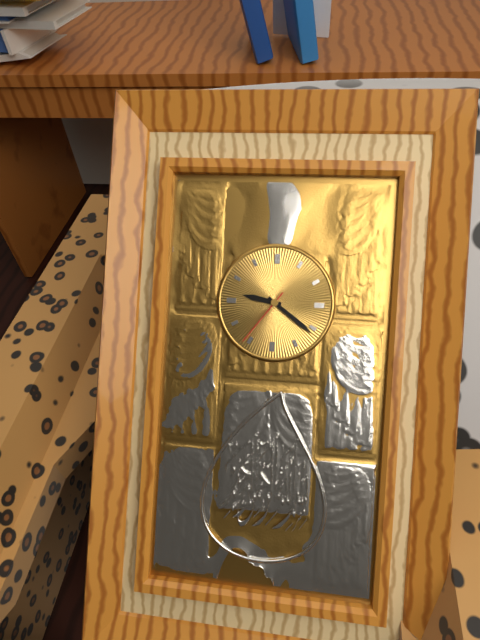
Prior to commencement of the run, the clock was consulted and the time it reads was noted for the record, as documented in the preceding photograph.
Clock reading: 9:21:36
